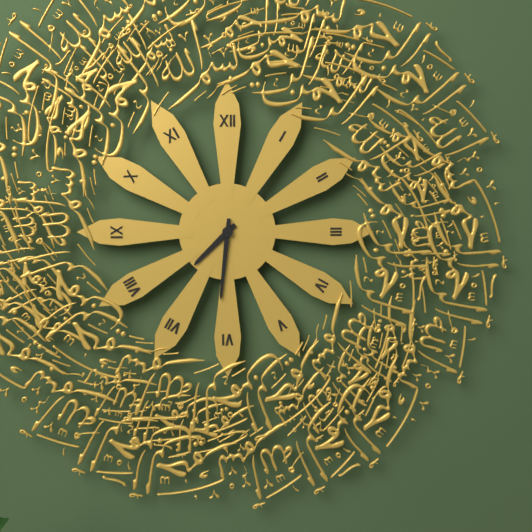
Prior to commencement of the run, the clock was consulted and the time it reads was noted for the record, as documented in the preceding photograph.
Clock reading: 7:31
